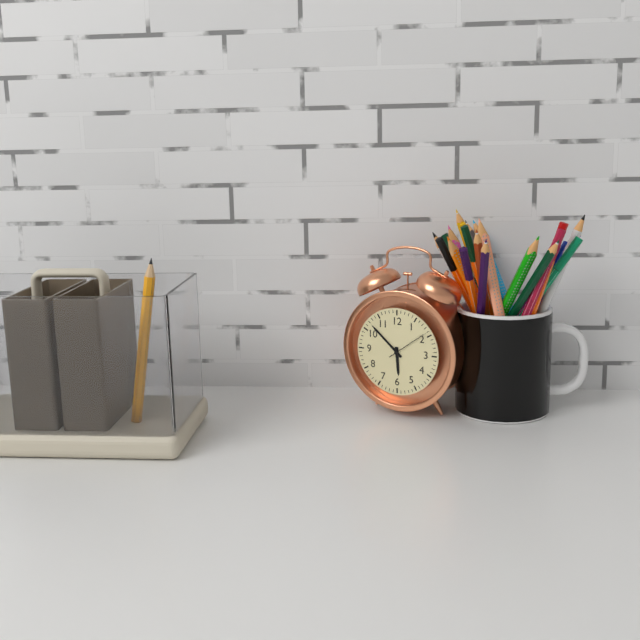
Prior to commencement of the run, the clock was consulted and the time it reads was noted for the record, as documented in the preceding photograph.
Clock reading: 5:52
